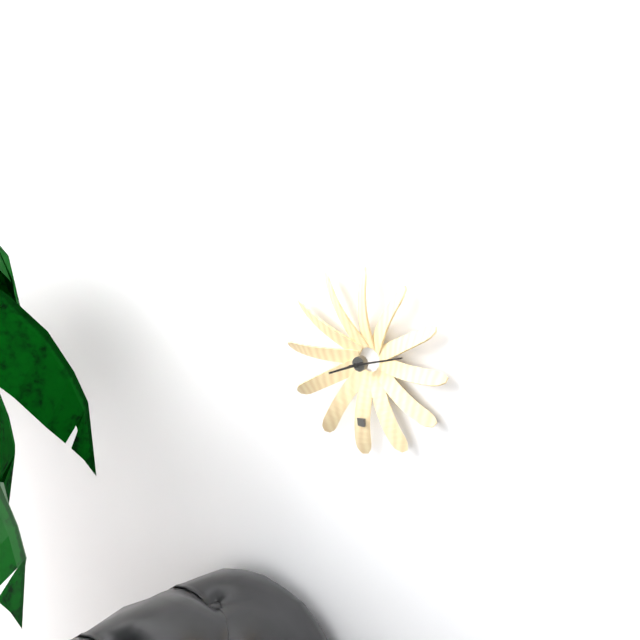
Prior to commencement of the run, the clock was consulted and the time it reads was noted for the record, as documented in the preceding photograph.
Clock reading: 8:12
